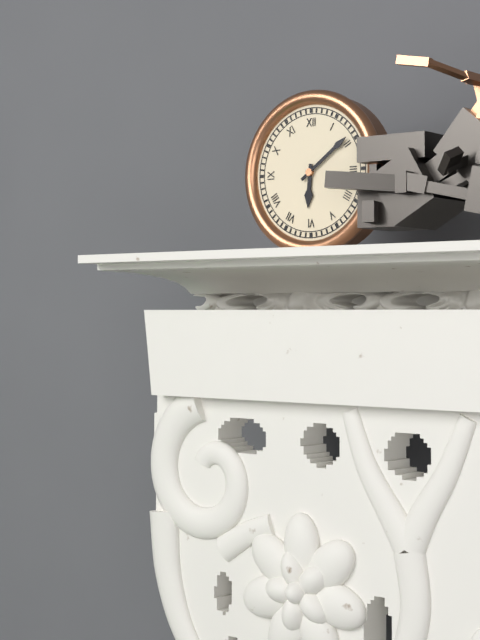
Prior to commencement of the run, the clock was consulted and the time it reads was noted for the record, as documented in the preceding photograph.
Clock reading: 6:09
